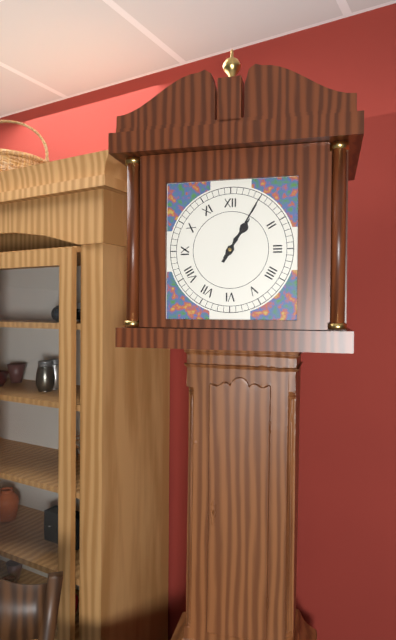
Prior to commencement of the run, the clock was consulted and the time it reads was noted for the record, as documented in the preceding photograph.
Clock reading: 1:05
